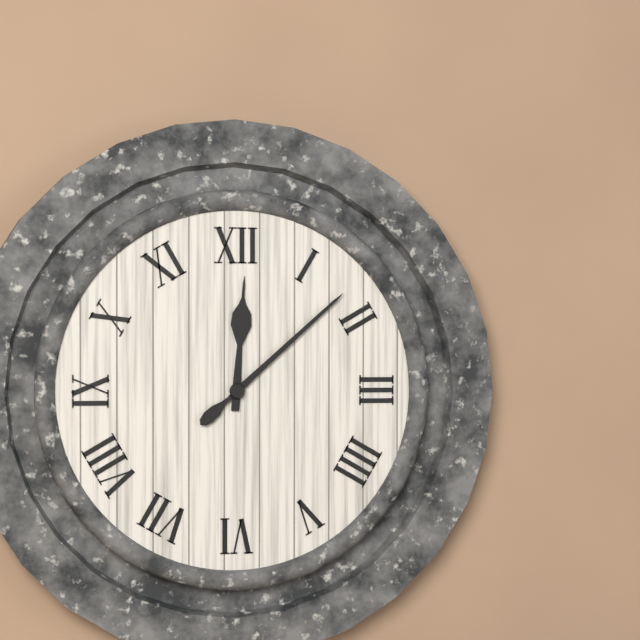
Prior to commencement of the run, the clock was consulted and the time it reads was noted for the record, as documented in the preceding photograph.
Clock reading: 12:08
